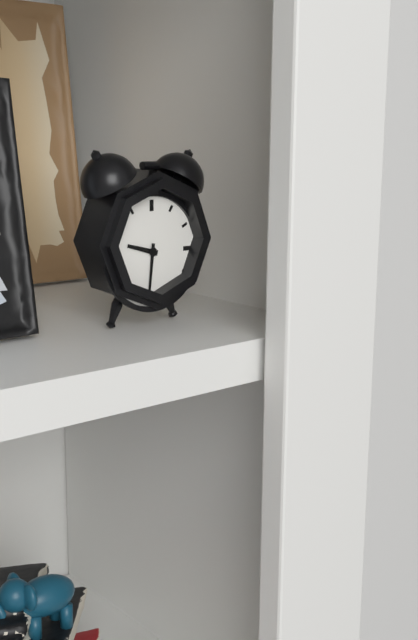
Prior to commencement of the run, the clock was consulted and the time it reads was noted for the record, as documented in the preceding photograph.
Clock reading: 9:31
